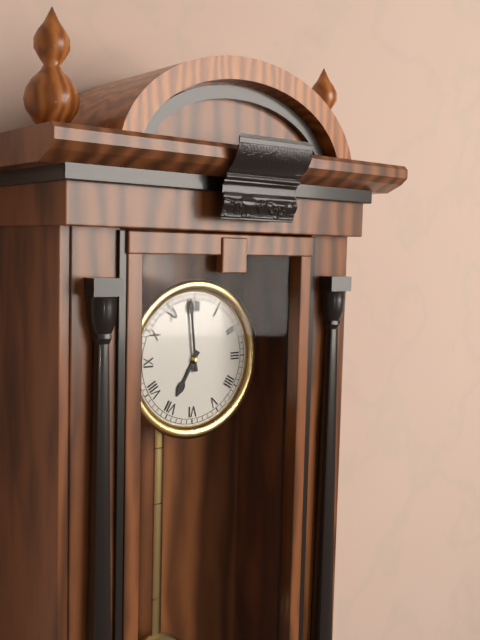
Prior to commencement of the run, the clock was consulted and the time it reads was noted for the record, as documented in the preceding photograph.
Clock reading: 6:59
